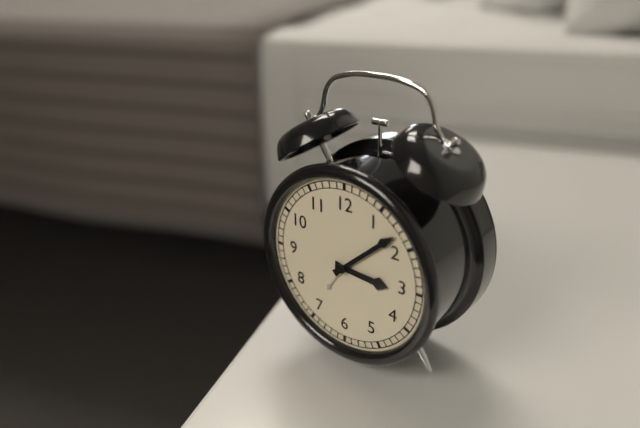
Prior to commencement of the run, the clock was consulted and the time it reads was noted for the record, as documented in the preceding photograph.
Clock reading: 3:08
